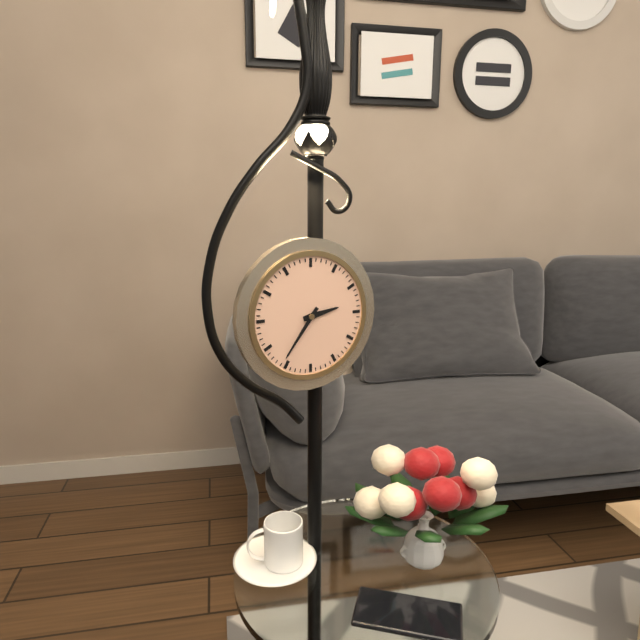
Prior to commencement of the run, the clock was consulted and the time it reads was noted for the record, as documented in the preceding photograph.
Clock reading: 2:36
